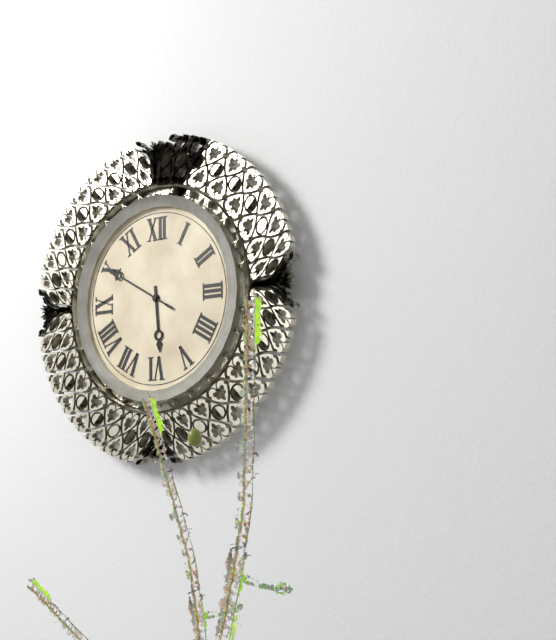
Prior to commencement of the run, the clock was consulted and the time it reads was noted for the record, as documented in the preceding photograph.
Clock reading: 5:50
